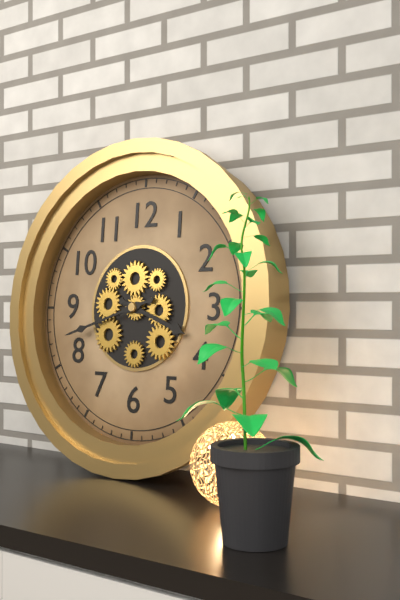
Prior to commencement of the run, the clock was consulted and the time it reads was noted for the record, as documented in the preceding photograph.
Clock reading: 3:42
